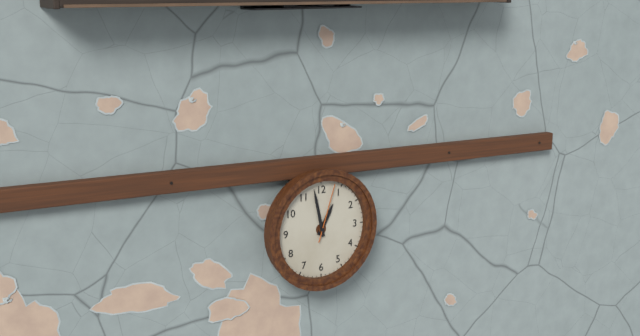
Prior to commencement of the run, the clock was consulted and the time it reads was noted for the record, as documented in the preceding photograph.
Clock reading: 12:58:03
